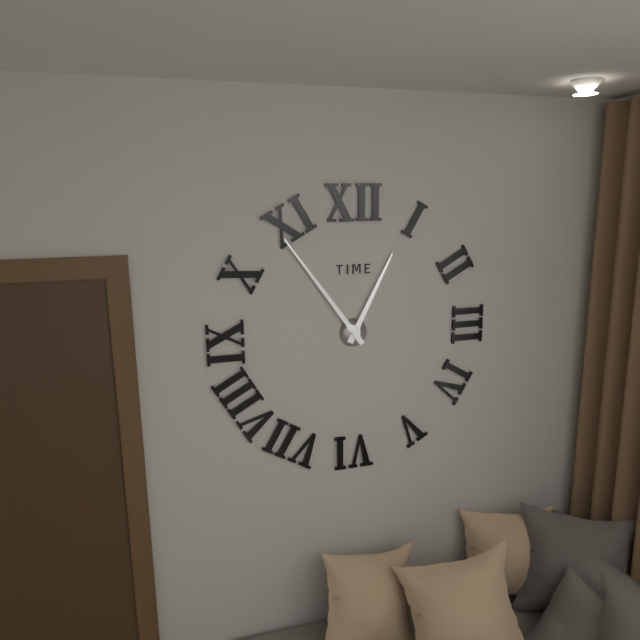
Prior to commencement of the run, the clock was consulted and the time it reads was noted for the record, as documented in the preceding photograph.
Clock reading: 12:54
